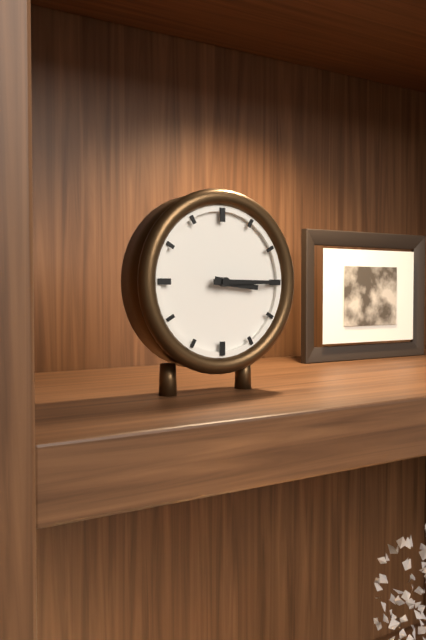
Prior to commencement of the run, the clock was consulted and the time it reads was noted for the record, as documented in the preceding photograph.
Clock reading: 3:15
